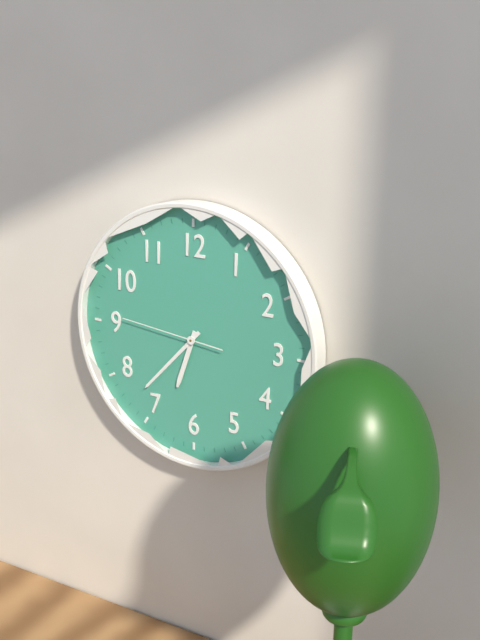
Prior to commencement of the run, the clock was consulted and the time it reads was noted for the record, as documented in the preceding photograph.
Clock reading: 6:37:46
